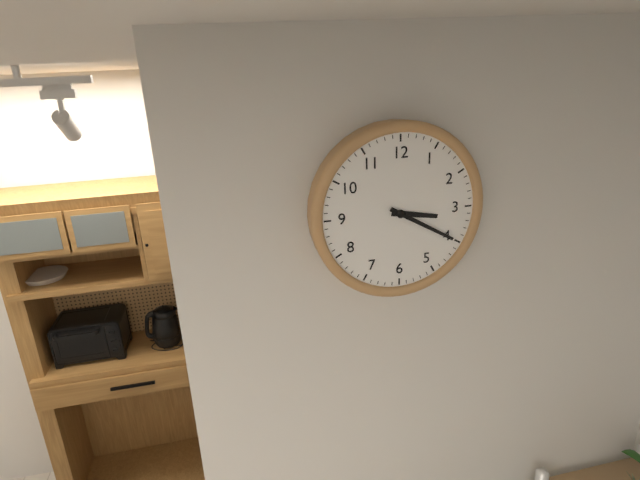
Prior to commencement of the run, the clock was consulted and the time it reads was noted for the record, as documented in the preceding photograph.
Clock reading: 3:20
